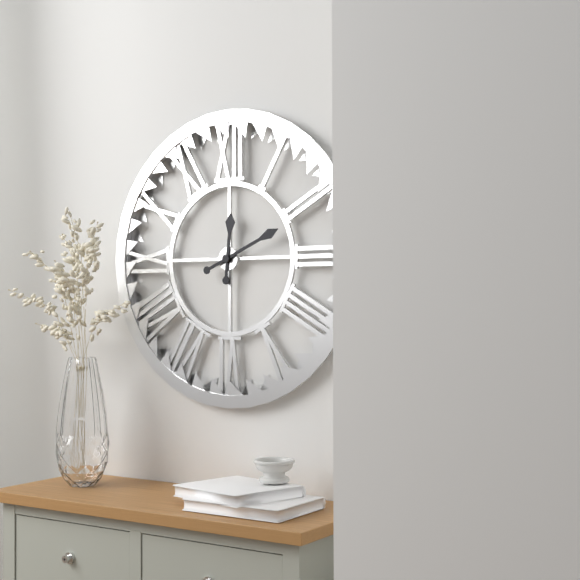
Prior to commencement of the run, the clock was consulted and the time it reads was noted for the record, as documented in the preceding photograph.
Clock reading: 12:11
